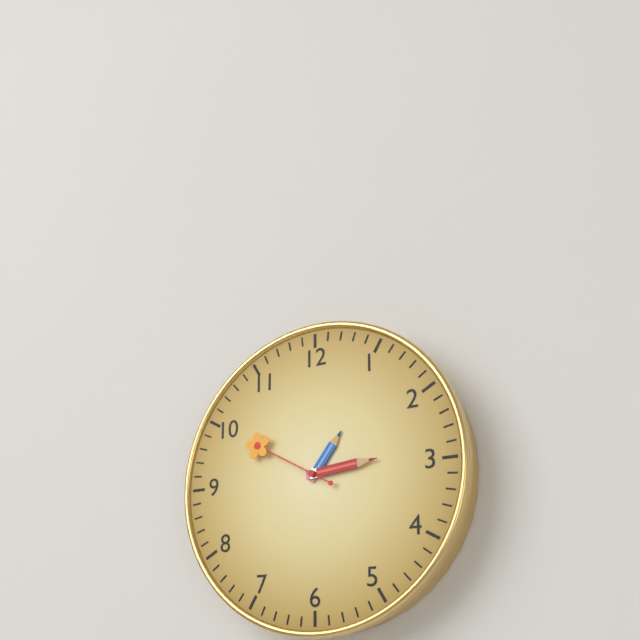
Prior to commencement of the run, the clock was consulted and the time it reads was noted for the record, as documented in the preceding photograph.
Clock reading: 1:14:50
